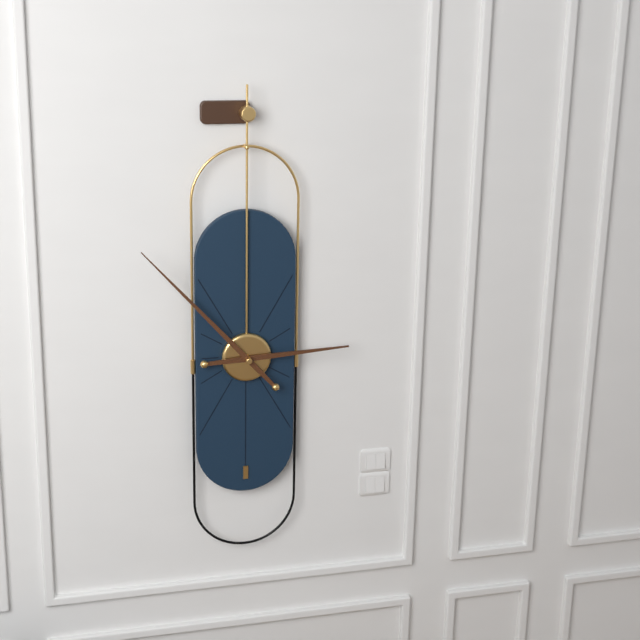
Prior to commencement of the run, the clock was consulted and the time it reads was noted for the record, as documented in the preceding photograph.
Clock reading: 2:53
